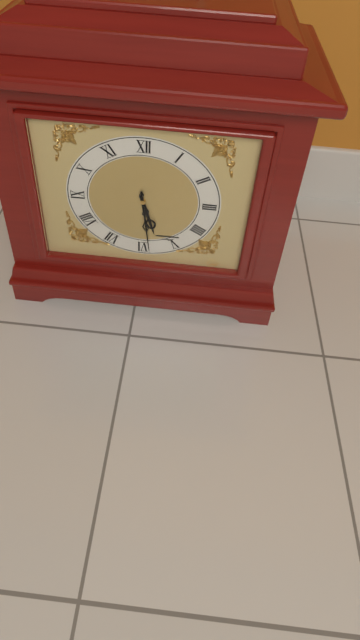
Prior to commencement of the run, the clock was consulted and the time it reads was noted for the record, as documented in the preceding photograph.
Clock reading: 5:29
